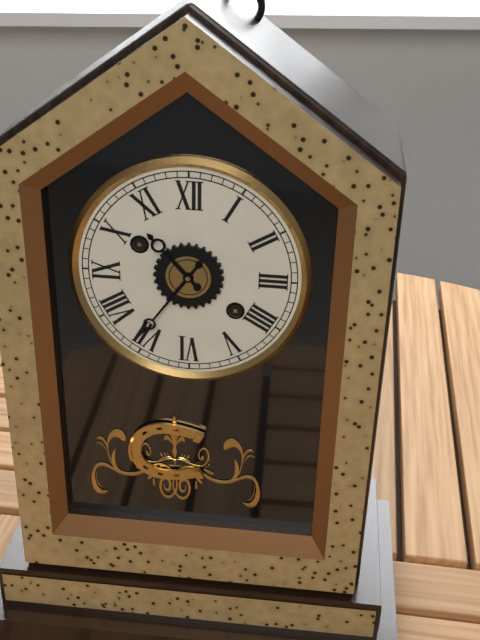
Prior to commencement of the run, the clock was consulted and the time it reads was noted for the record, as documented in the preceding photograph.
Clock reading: 10:36
